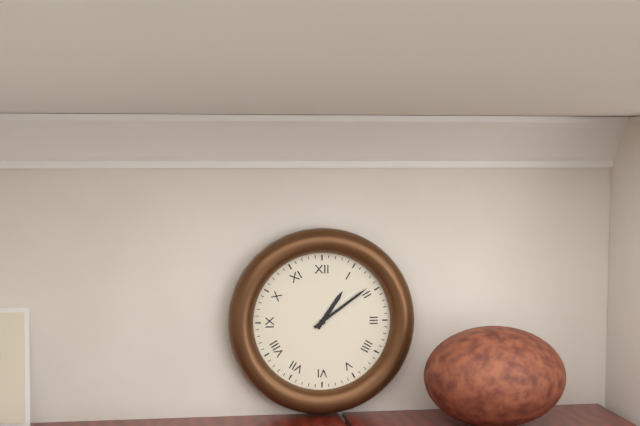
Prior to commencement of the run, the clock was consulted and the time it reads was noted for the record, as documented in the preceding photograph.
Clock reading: 1:09
